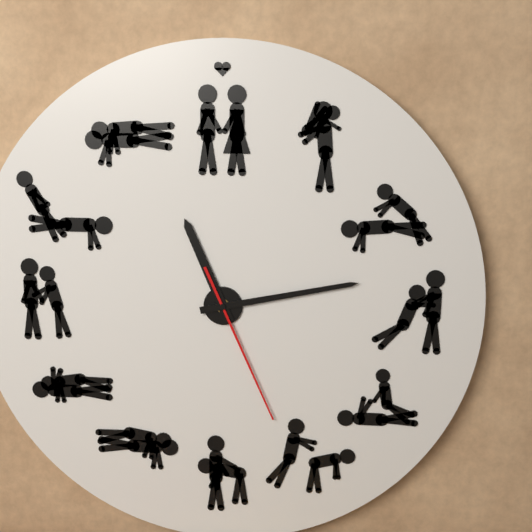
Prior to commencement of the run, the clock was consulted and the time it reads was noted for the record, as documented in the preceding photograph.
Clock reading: 11:13:26
